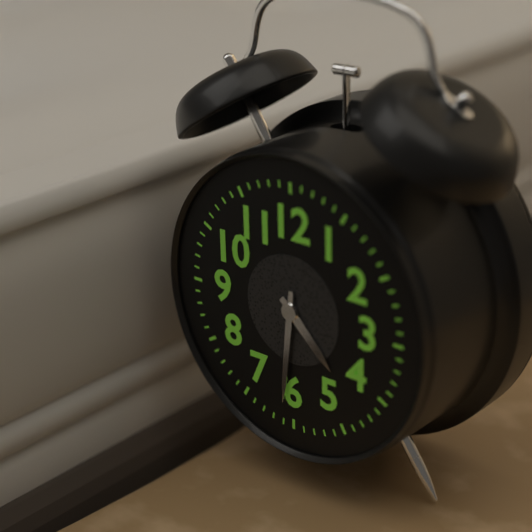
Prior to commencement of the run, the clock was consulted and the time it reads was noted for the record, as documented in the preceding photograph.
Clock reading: 4:31
